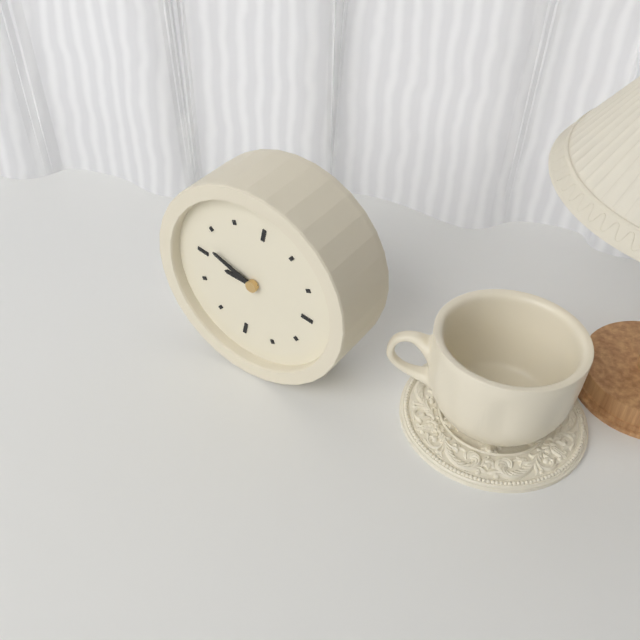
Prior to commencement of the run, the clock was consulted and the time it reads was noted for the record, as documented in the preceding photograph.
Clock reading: 8:47
